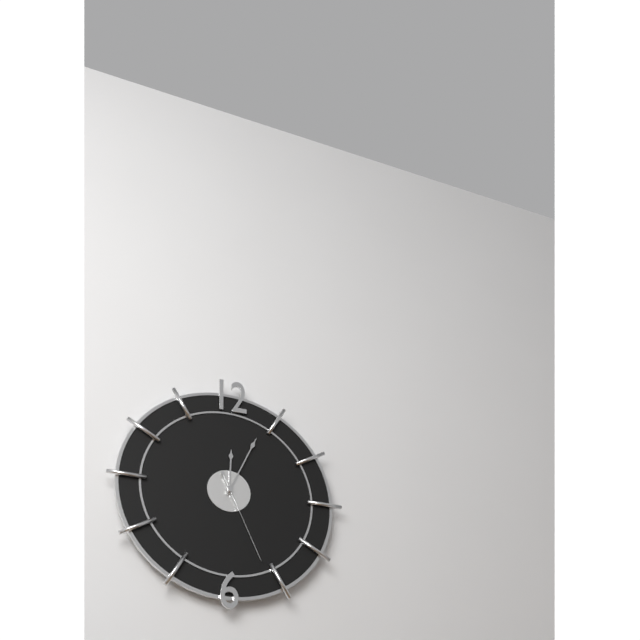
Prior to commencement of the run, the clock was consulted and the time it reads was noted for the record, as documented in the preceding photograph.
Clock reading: 12:04:26
